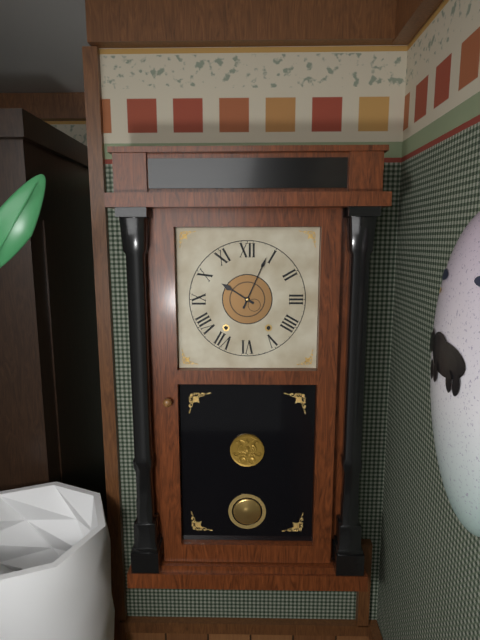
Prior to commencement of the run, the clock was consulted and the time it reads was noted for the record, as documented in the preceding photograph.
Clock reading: 10:04
